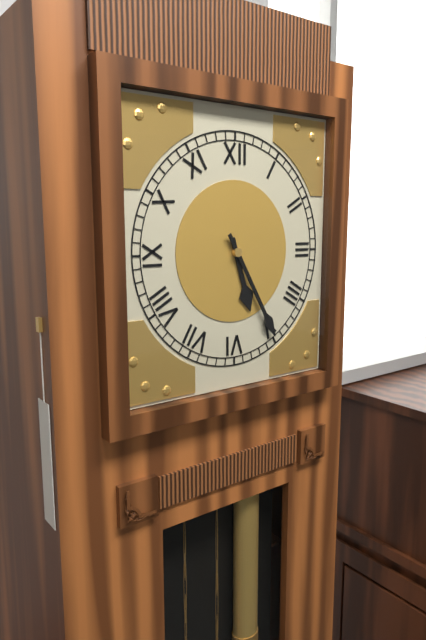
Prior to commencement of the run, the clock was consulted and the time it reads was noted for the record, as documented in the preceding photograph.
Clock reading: 5:25
